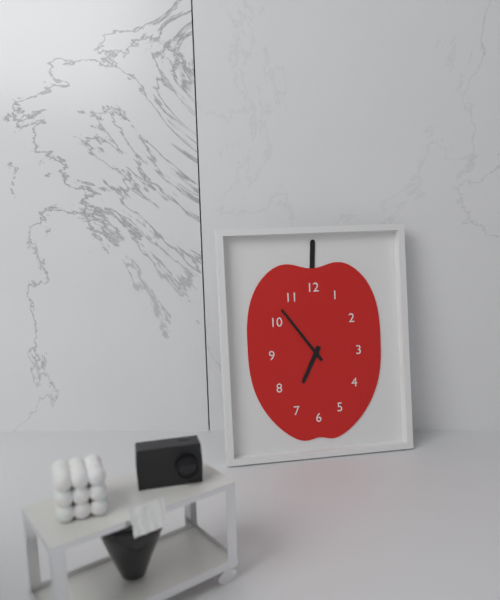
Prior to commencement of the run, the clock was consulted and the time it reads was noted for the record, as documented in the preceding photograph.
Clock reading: 6:54
